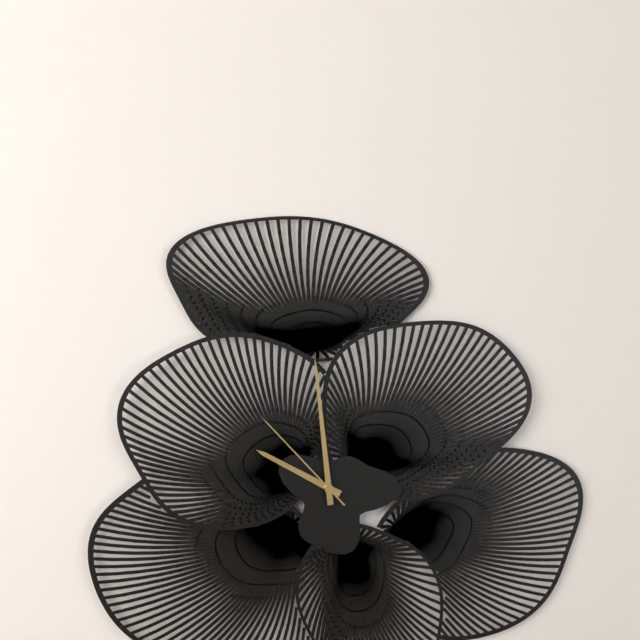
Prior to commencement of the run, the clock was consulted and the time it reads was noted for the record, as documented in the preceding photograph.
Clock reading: 9:59:53
